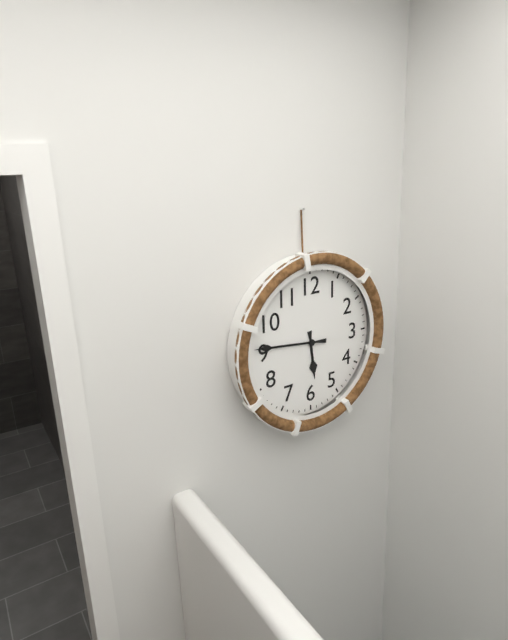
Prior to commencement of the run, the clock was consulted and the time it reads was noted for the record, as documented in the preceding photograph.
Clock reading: 5:46
